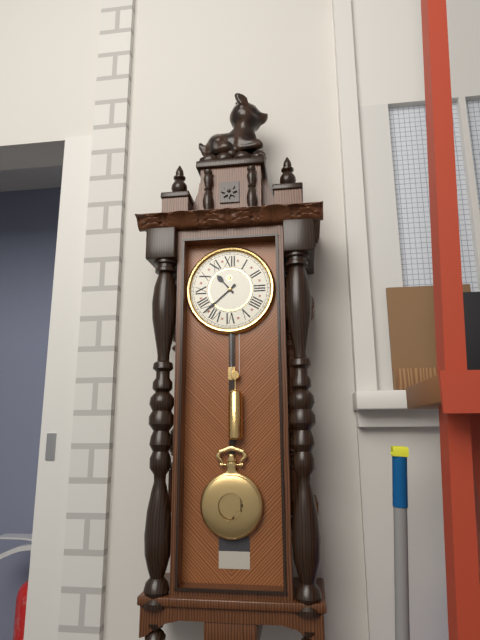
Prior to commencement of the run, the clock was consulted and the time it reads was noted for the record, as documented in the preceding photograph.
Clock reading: 10:38
